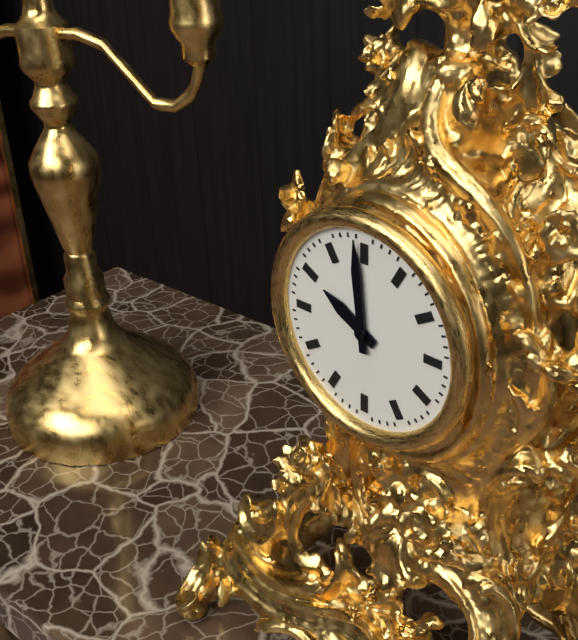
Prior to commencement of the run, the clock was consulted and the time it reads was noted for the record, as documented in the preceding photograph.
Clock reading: 9:59
